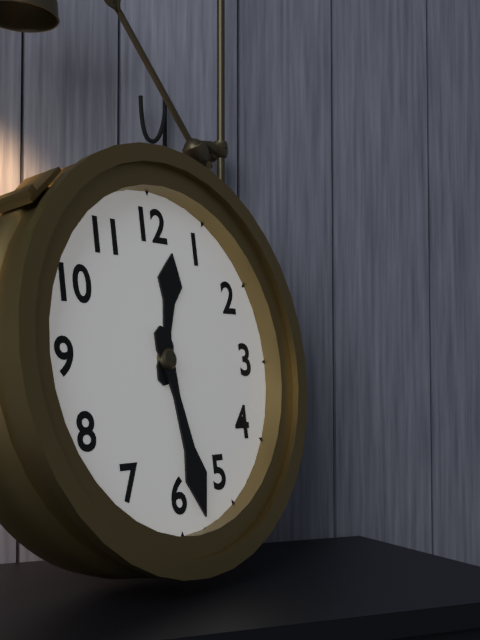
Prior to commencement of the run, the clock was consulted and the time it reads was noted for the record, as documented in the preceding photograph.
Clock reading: 12:28
